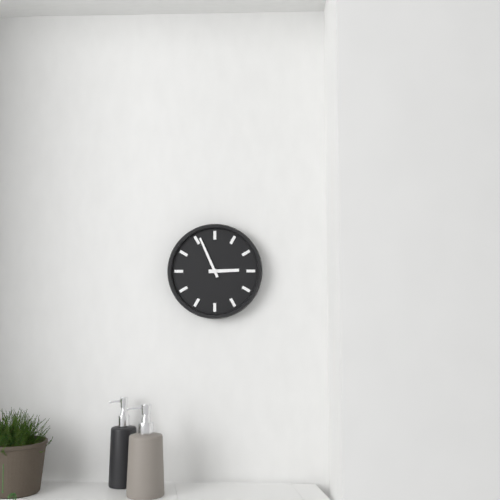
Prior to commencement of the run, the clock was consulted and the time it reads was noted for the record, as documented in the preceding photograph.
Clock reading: 2:56
